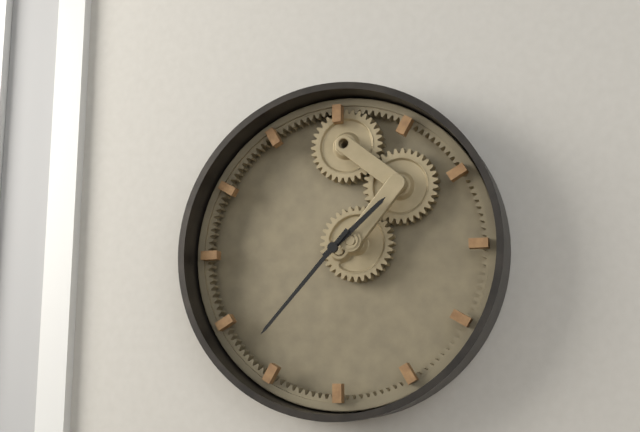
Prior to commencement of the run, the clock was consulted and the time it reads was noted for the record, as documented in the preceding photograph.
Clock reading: 1:37
